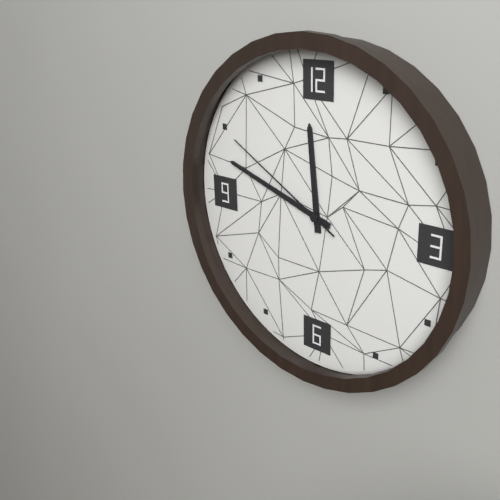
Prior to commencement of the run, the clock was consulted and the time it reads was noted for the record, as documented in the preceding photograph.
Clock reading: 11:48:50
